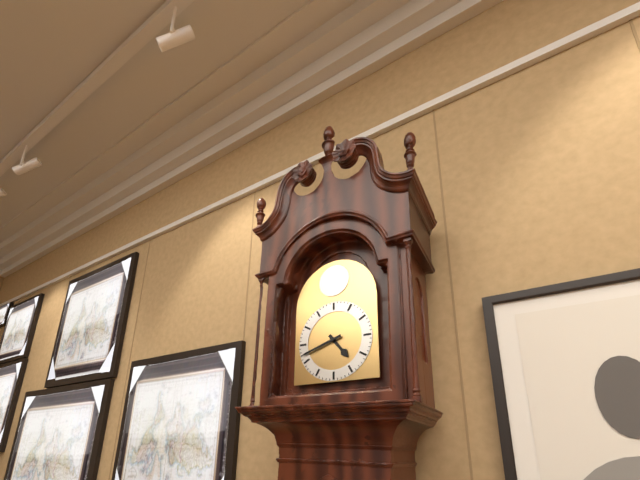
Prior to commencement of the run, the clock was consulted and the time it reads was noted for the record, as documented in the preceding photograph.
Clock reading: 4:42
